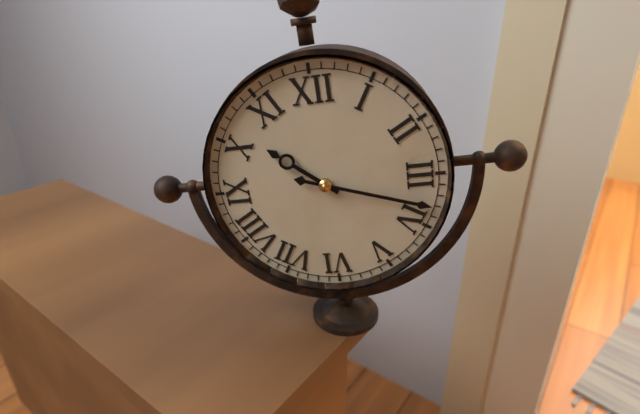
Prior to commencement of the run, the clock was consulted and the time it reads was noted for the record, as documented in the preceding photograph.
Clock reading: 10:18
